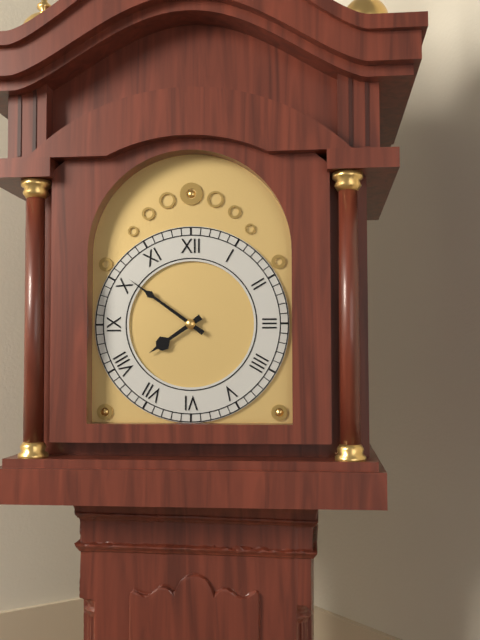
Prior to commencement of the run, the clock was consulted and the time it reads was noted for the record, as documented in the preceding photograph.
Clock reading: 7:51
